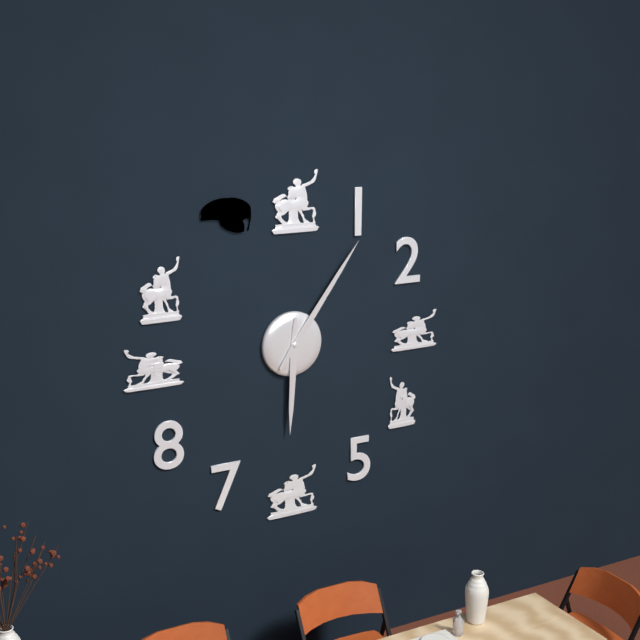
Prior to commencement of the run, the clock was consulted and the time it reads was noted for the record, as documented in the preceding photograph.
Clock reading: 6:06
